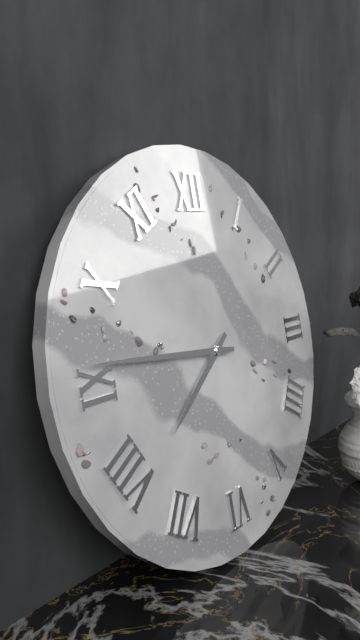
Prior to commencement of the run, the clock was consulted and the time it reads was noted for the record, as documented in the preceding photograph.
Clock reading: 7:46
